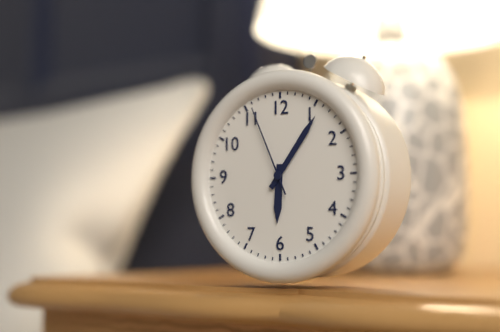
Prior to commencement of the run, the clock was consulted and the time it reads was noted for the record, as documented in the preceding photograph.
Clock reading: 6:06:56
